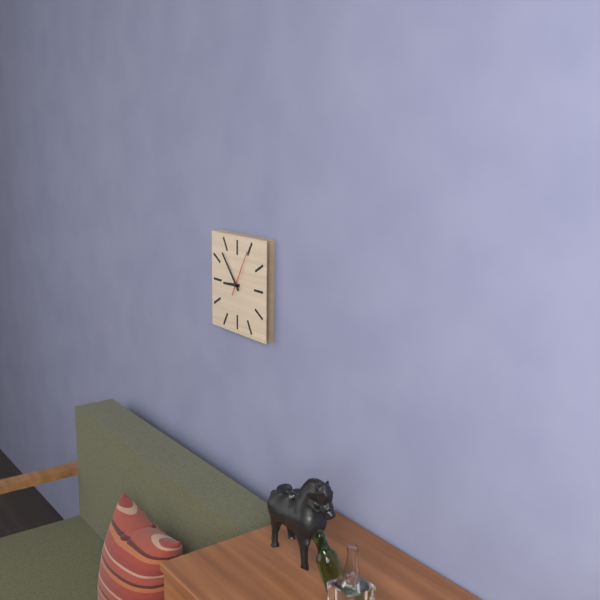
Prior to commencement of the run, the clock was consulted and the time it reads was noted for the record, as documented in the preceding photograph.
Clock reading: 8:53
